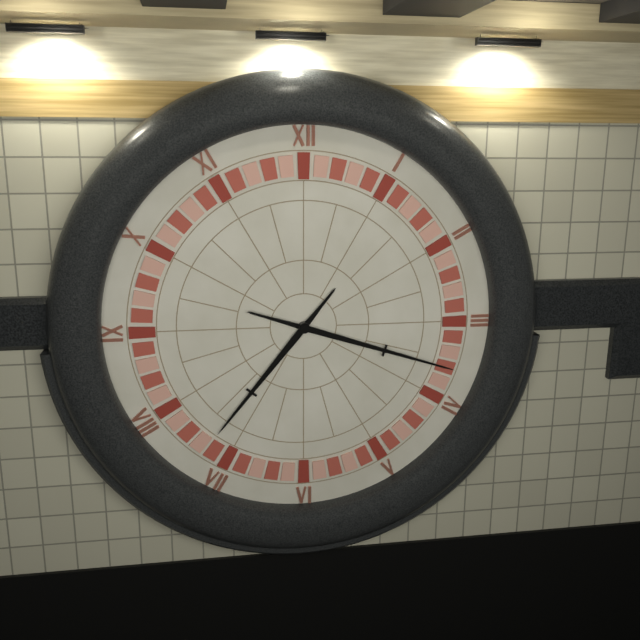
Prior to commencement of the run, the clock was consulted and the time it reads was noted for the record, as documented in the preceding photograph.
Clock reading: 7:18
